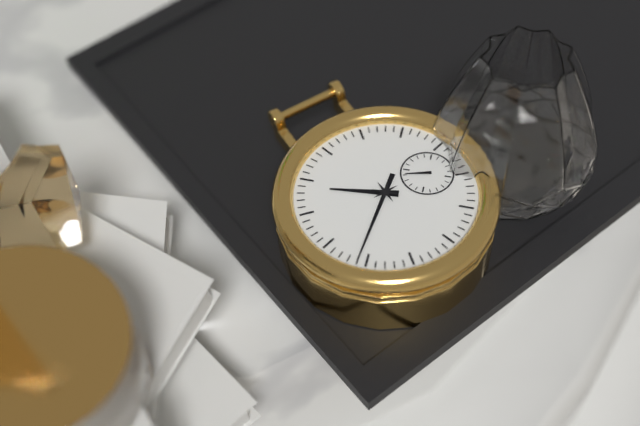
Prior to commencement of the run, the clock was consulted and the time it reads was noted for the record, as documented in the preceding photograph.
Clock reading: 11:46
